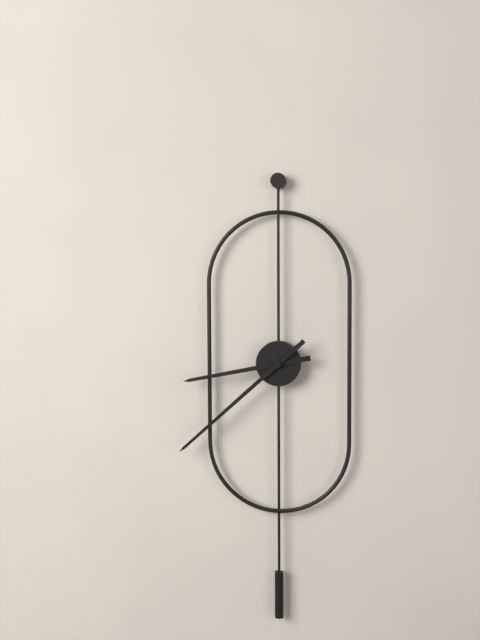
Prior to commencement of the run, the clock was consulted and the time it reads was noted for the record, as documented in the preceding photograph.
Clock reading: 8:38
